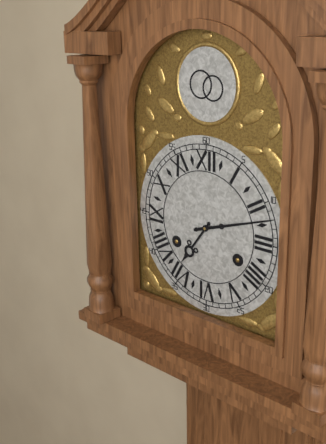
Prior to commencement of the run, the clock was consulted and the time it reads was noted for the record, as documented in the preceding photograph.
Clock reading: 7:12
